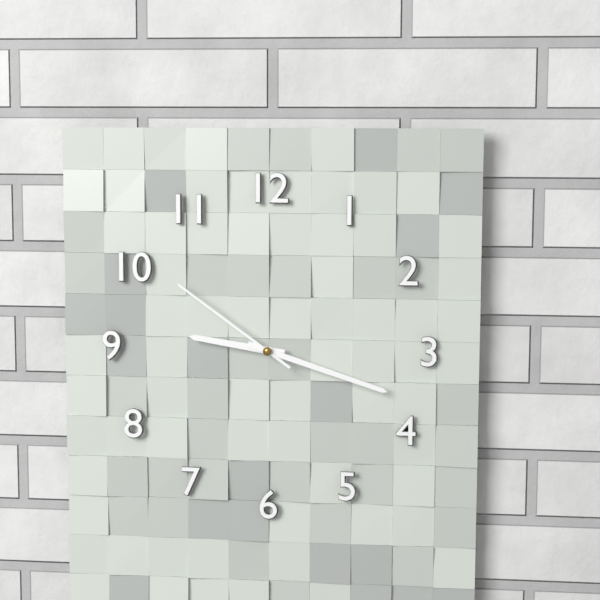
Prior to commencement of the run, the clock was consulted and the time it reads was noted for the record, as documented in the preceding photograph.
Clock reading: 9:18:51
